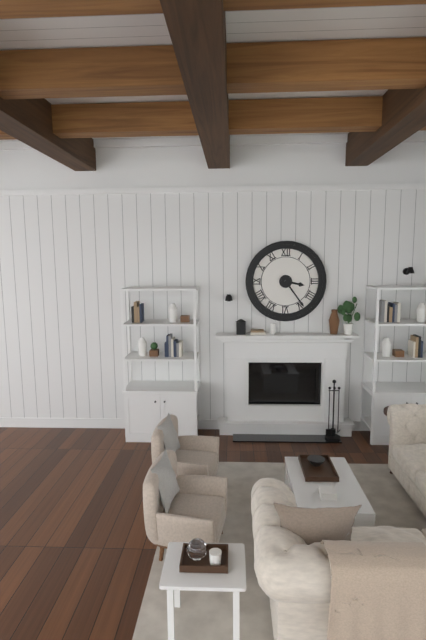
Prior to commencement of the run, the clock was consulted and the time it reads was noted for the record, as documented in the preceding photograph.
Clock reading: 3:24
